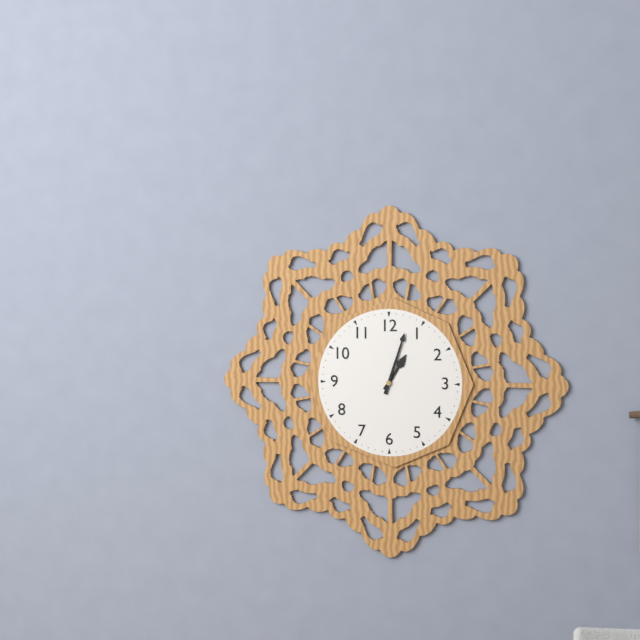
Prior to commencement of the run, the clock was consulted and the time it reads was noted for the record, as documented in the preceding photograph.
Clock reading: 1:03
